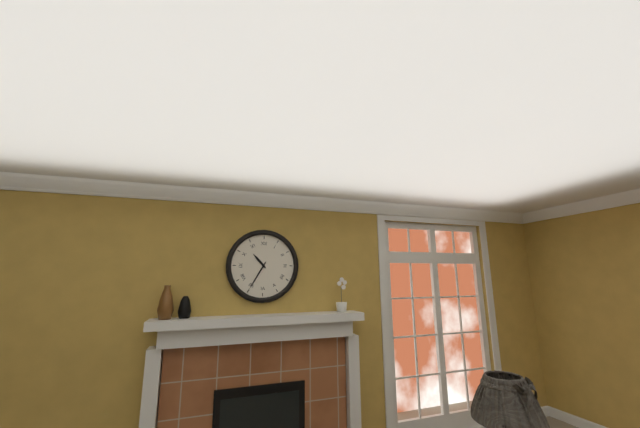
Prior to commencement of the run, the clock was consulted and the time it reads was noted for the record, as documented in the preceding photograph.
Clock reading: 10:35
